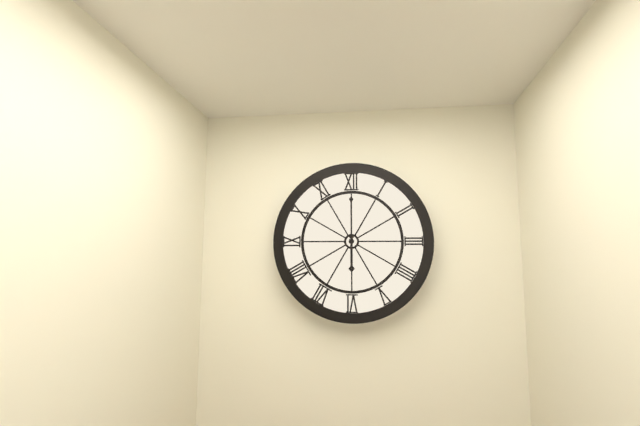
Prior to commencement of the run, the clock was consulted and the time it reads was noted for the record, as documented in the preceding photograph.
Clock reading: 6:00
